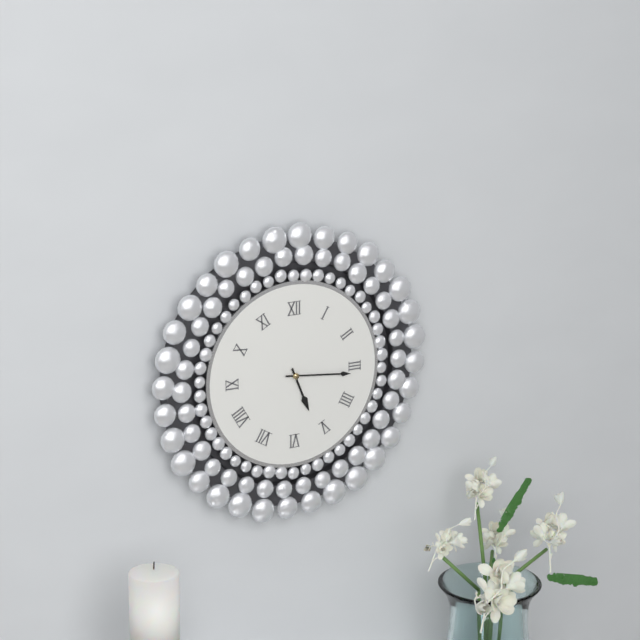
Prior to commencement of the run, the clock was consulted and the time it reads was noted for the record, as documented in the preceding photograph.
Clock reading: 5:16
